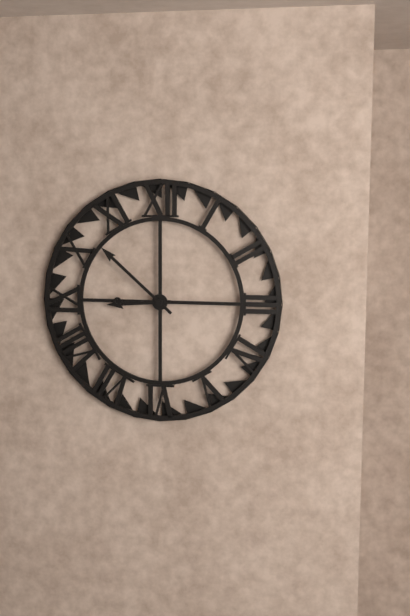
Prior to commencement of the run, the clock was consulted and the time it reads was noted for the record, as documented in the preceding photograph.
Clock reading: 8:52:15
